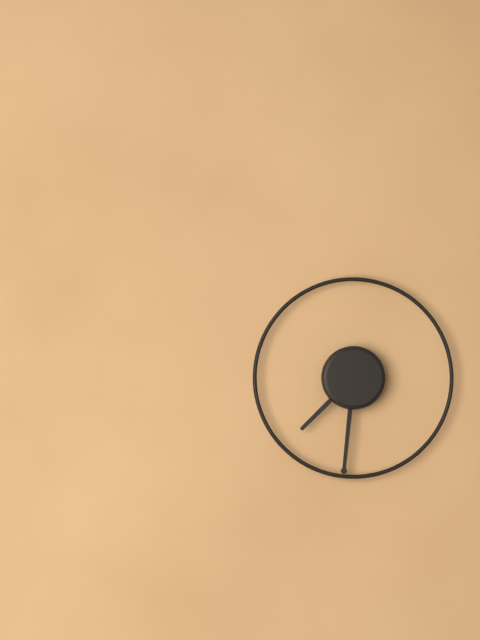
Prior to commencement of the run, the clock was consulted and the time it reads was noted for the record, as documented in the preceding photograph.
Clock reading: 7:31
